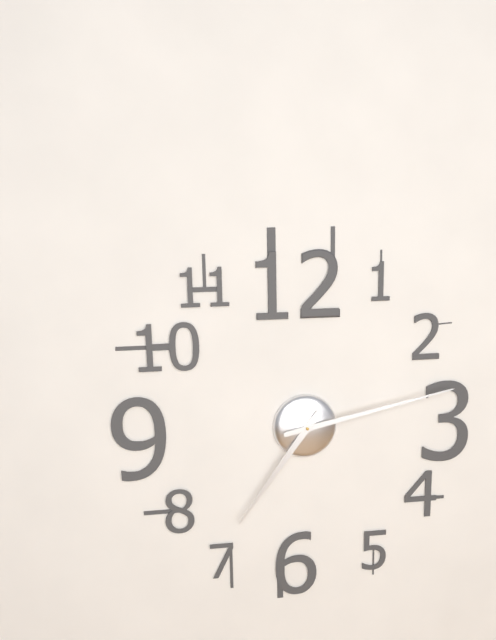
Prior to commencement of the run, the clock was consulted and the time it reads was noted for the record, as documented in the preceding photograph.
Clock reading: 7:13
